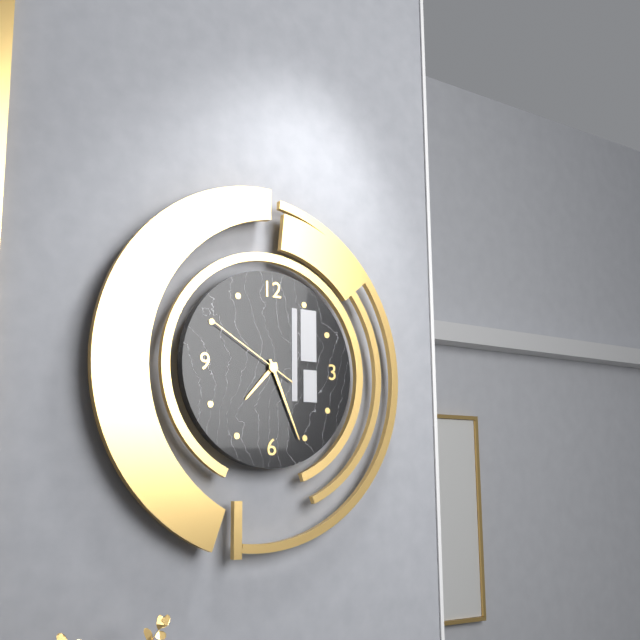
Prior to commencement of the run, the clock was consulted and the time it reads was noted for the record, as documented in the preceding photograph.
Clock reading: 7:26:50
